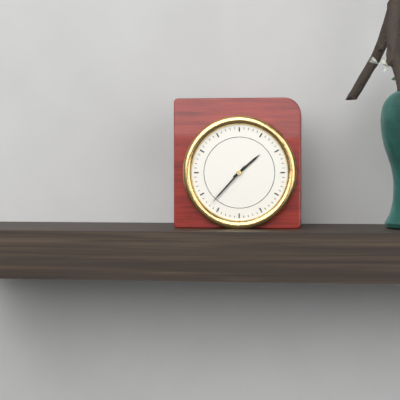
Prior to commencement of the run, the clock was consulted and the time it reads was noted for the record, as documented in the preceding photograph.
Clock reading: 1:37
